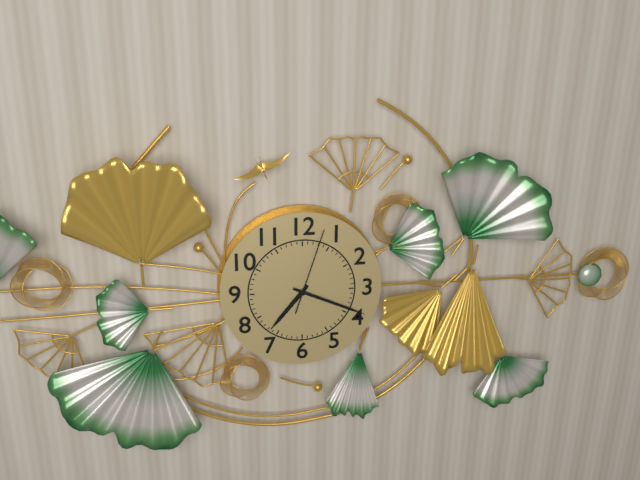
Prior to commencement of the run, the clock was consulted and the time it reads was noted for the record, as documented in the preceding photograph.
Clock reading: 7:19:03
